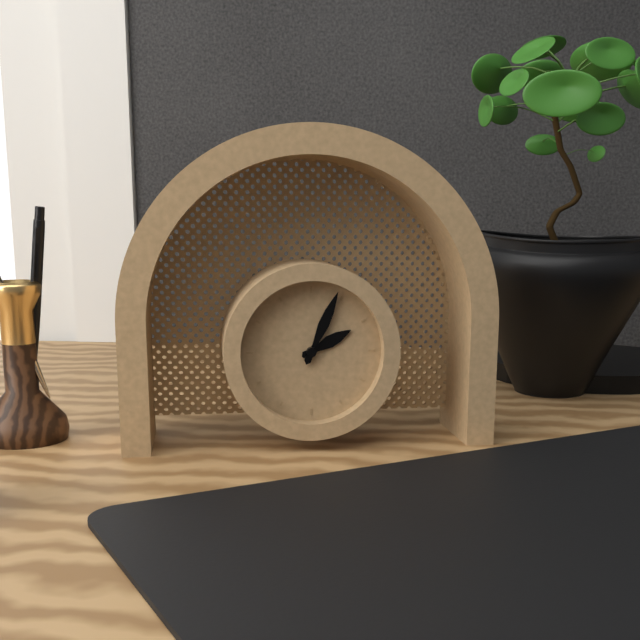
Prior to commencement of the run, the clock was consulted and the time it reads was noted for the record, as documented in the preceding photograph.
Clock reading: 2:04
